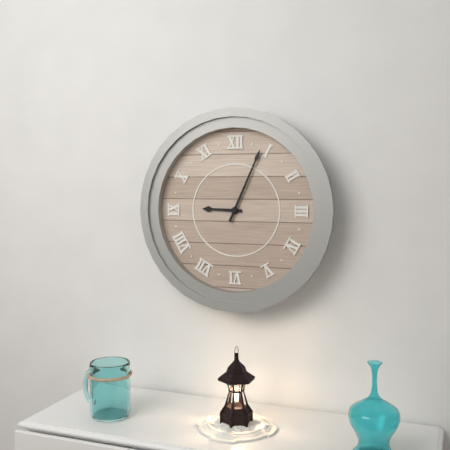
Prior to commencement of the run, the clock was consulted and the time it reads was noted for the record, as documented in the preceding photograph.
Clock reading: 9:04
